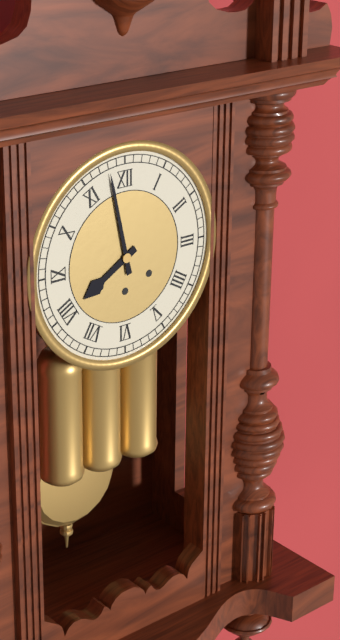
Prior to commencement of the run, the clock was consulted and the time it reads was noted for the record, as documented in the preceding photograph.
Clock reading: 7:58
